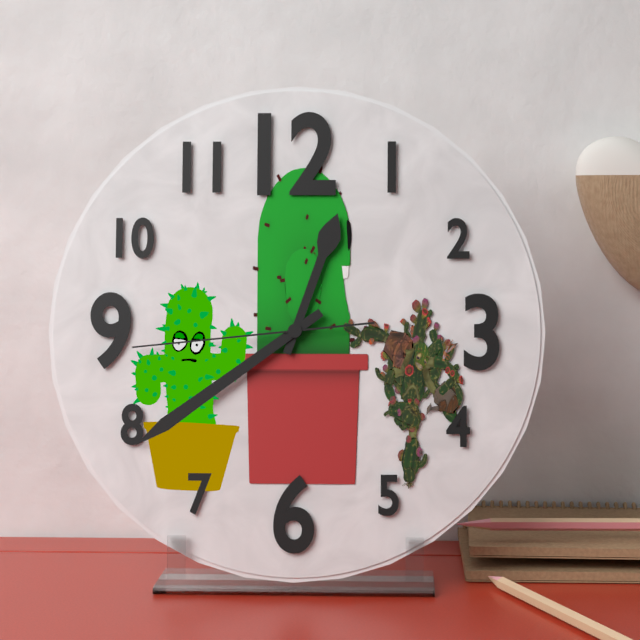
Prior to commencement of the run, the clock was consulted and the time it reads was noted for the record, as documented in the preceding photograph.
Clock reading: 12:39:44
